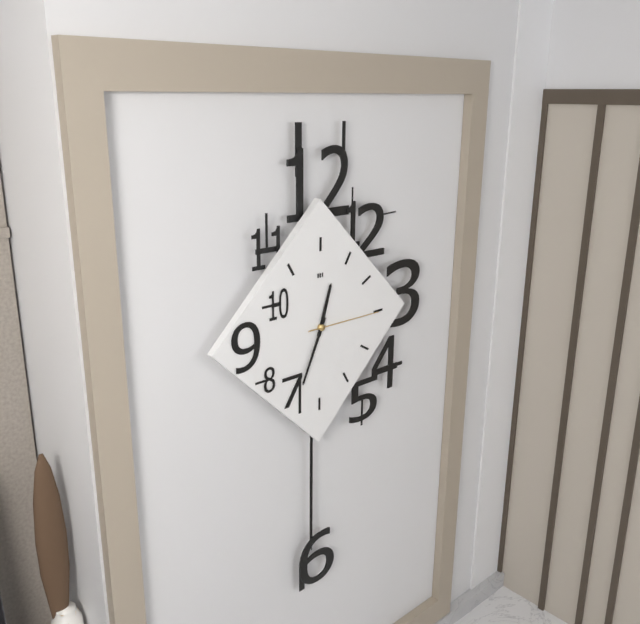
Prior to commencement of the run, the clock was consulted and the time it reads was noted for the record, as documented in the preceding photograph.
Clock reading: 12:34:15
